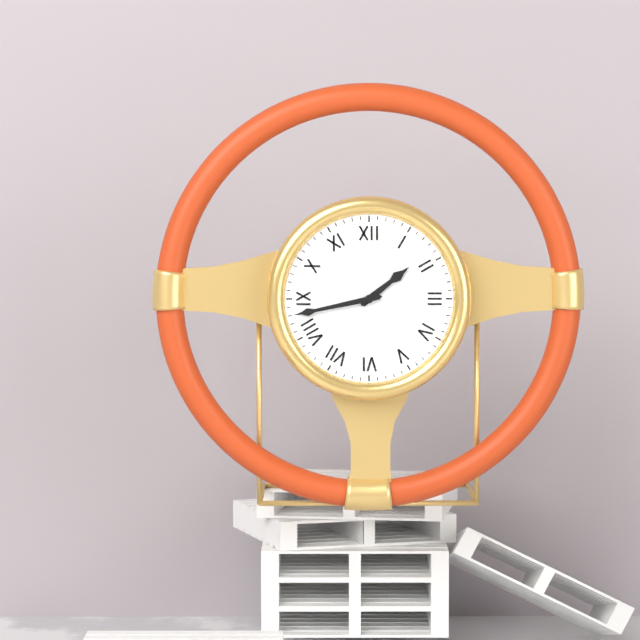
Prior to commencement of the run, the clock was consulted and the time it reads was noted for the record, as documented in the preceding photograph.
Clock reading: 1:43
